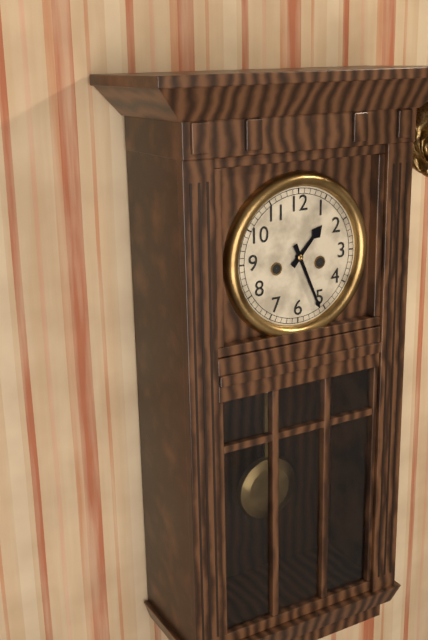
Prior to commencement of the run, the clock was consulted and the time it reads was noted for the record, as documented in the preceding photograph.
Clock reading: 1:26
